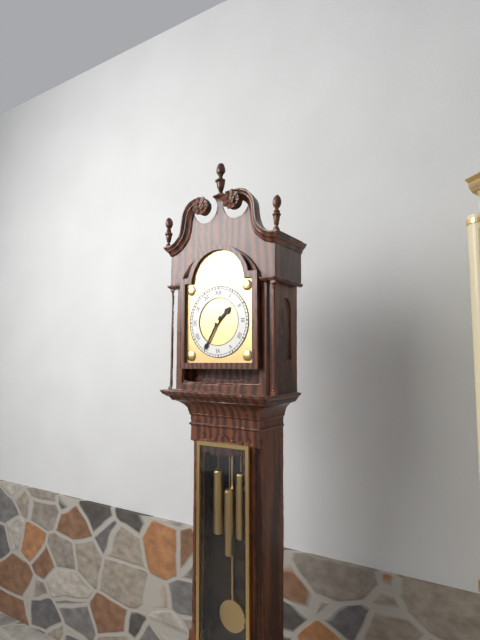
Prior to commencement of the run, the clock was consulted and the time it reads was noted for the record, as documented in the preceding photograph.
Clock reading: 1:35
